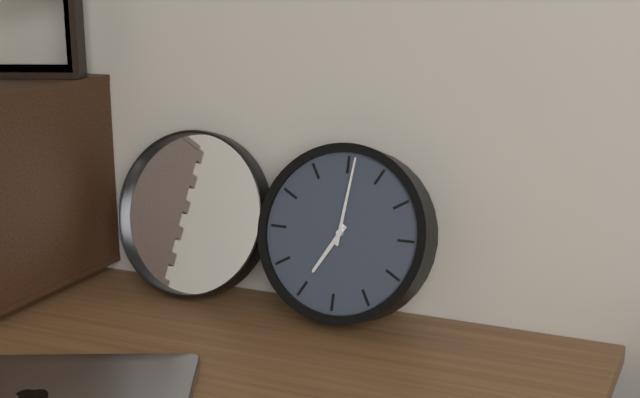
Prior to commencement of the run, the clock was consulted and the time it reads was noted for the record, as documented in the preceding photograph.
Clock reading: 7:01
